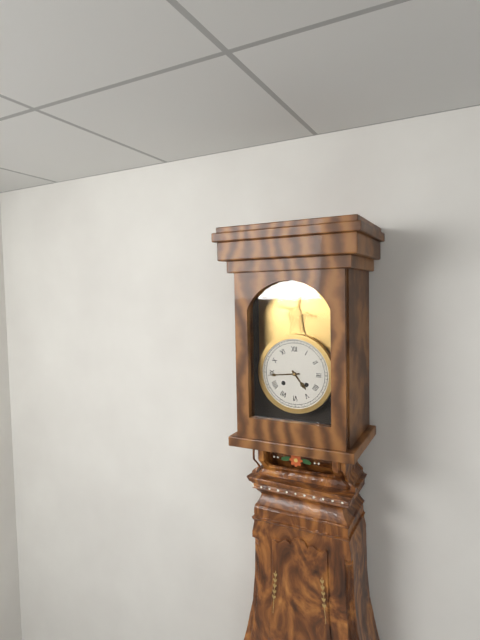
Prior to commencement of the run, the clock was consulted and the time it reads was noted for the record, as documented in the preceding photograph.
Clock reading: 4:44
